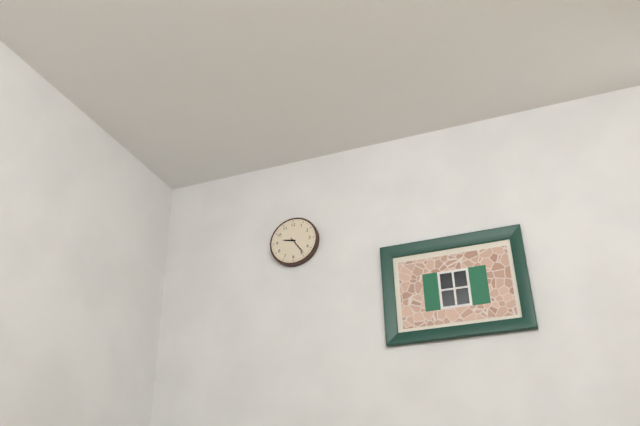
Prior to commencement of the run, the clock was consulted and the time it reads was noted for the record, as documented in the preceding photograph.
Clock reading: 9:24
